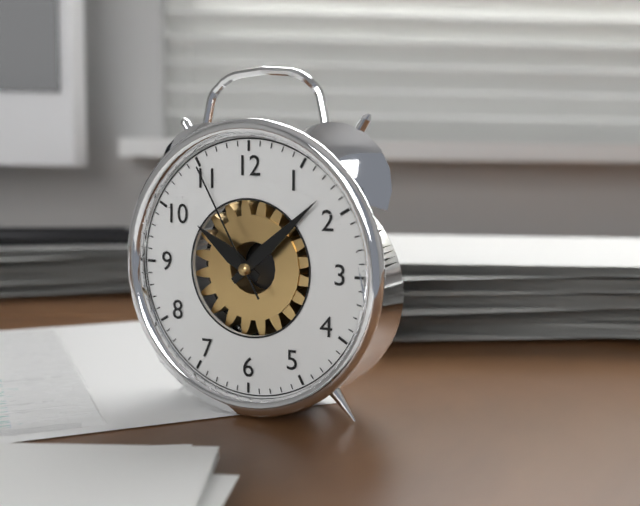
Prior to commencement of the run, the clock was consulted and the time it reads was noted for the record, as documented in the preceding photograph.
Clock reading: 10:08:55
